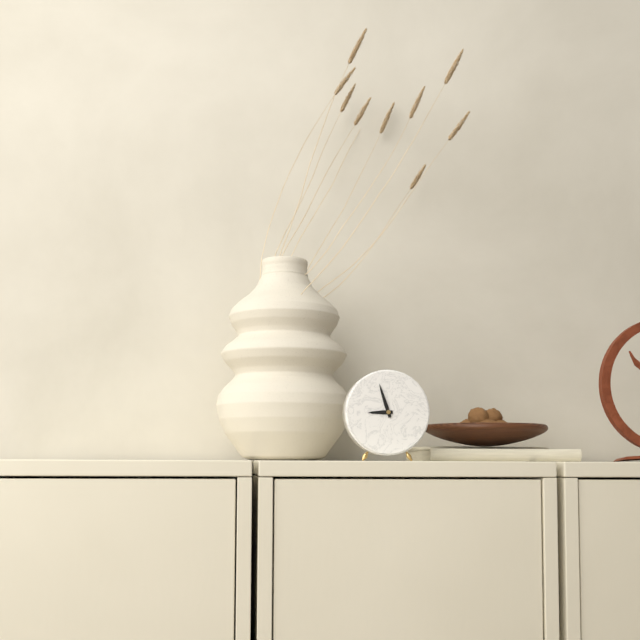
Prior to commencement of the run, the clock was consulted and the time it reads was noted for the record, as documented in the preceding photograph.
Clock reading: 8:57
